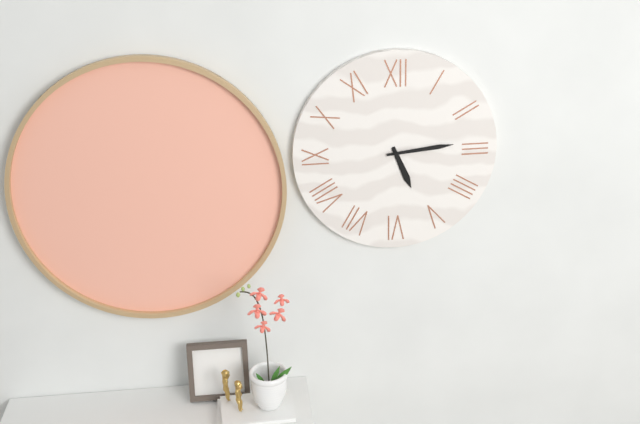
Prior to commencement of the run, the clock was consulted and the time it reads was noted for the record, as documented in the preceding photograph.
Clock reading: 5:14
